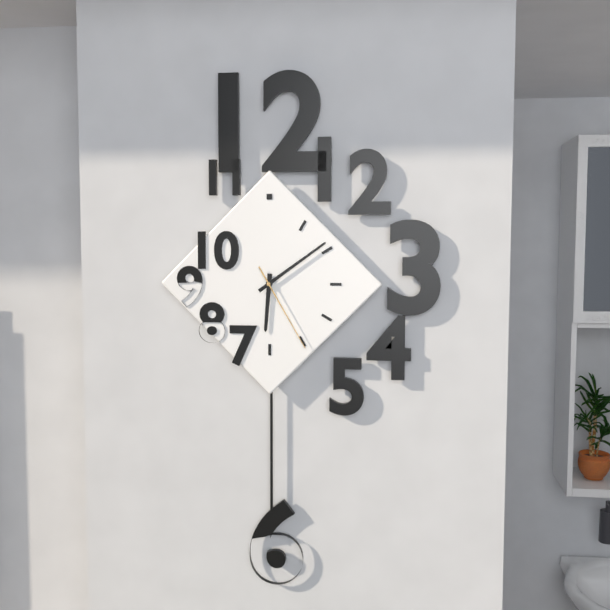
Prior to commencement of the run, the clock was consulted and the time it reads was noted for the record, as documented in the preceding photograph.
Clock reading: 6:09:25
